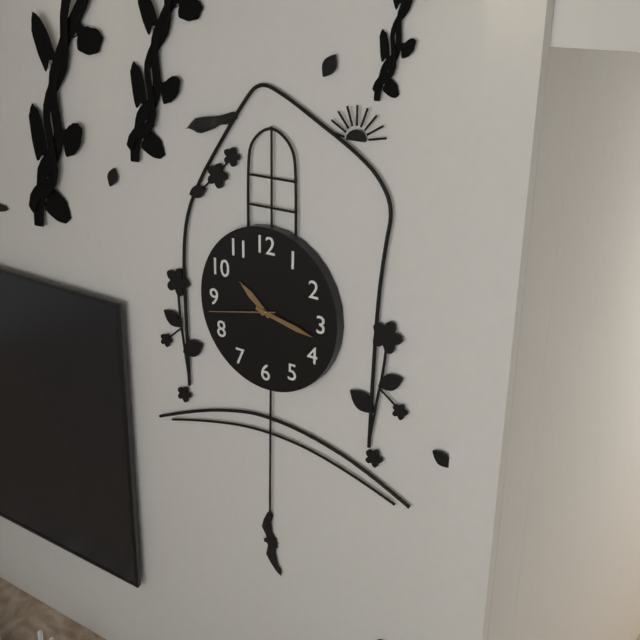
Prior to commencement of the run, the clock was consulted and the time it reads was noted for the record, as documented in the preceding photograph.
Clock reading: 10:17:43
